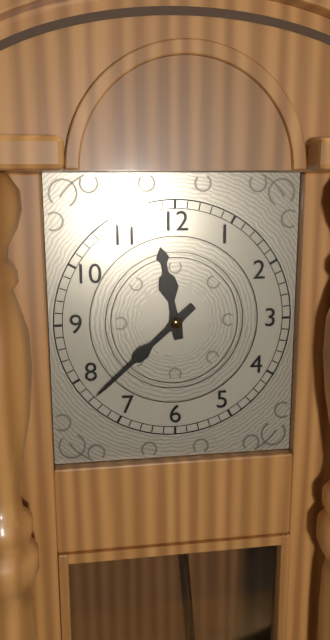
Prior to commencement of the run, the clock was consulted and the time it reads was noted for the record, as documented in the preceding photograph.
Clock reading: 11:38
